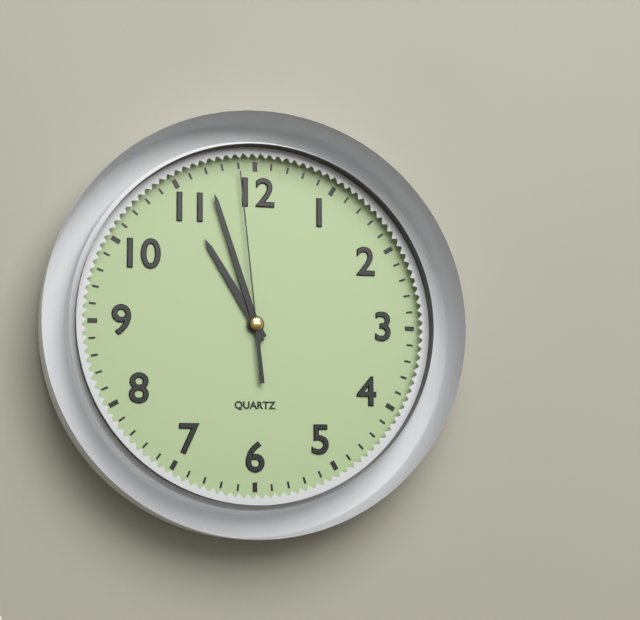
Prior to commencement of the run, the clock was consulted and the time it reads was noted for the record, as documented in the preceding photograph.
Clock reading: 10:57:59
